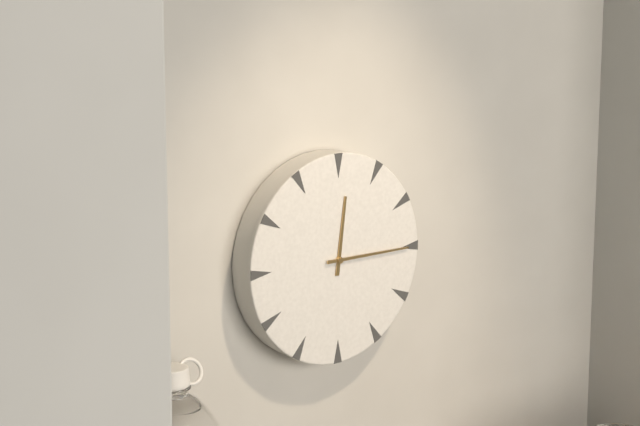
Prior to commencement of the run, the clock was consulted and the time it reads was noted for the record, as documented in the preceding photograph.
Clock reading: 12:15
